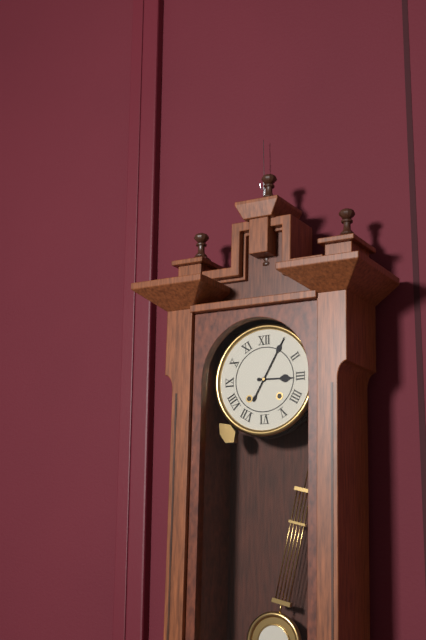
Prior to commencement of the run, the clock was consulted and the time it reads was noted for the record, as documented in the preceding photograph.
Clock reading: 3:05
